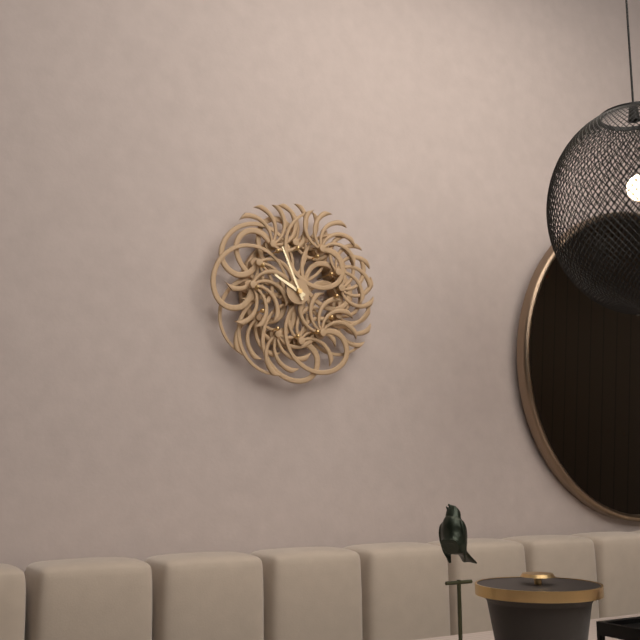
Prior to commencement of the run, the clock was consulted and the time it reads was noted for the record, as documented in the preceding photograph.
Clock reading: 9:56
